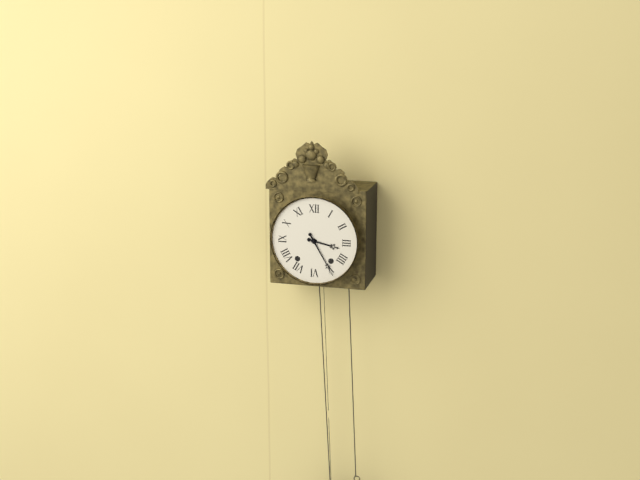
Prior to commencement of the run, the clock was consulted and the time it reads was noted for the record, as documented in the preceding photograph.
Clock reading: 3:25
